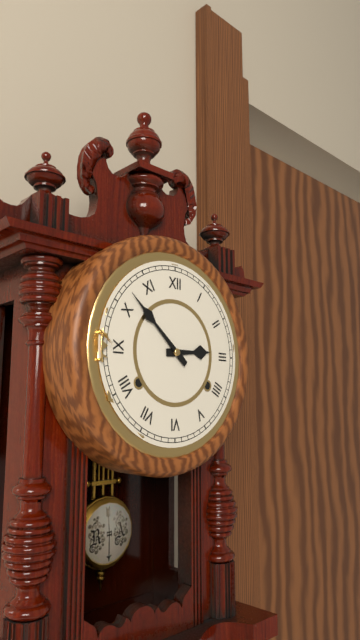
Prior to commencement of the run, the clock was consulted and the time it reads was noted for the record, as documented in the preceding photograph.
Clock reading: 2:52
